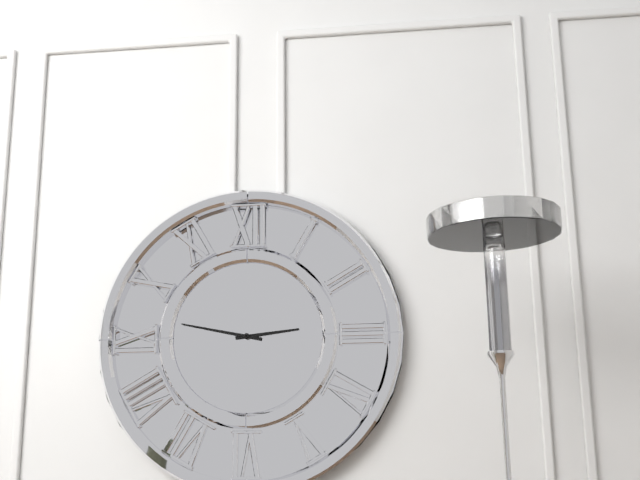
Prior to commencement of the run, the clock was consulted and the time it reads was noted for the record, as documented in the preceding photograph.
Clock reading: 2:47
